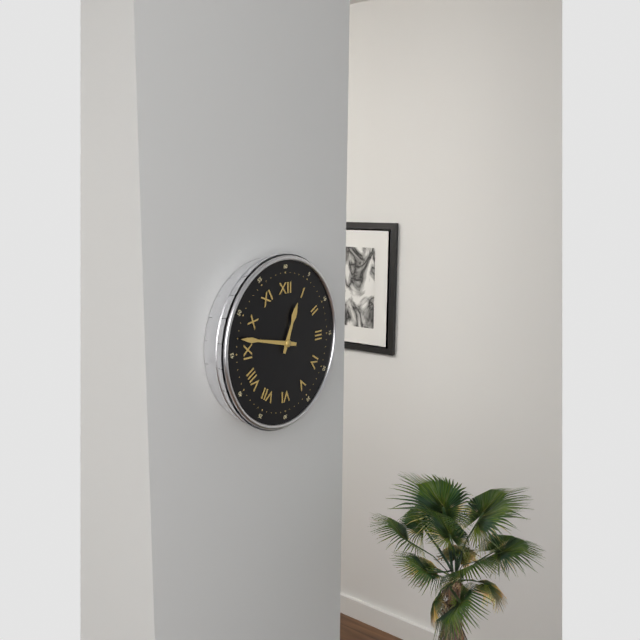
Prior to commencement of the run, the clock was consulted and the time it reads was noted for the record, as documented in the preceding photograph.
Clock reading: 12:47
